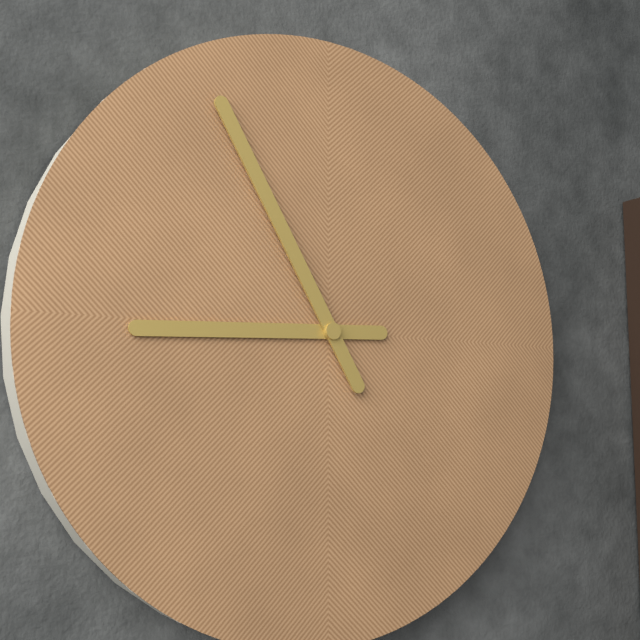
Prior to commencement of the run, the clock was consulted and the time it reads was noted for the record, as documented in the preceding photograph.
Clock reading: 8:55
